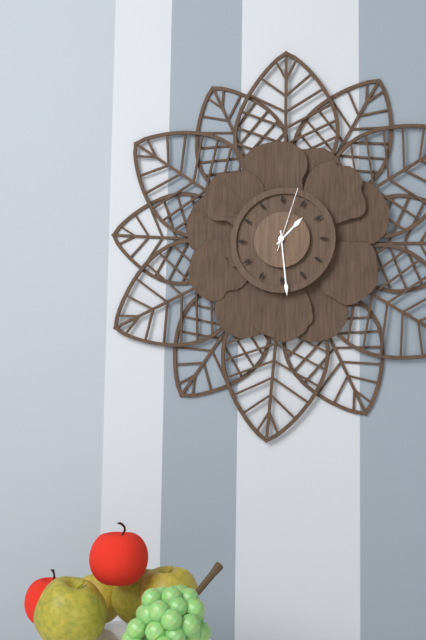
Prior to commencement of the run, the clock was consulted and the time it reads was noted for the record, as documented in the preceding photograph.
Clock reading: 1:29:03
